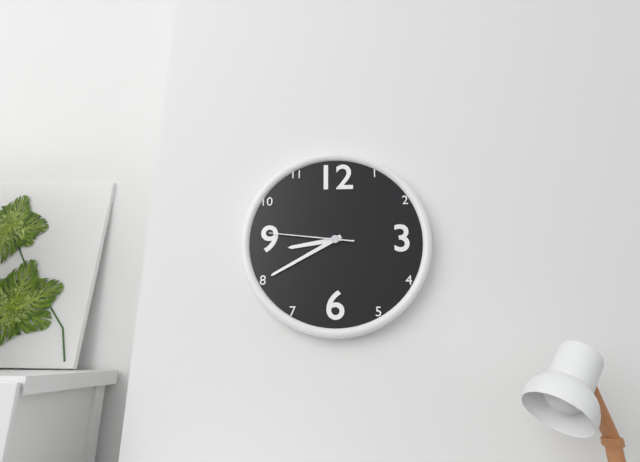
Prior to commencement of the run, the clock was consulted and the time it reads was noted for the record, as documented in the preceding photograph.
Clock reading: 8:40:46
